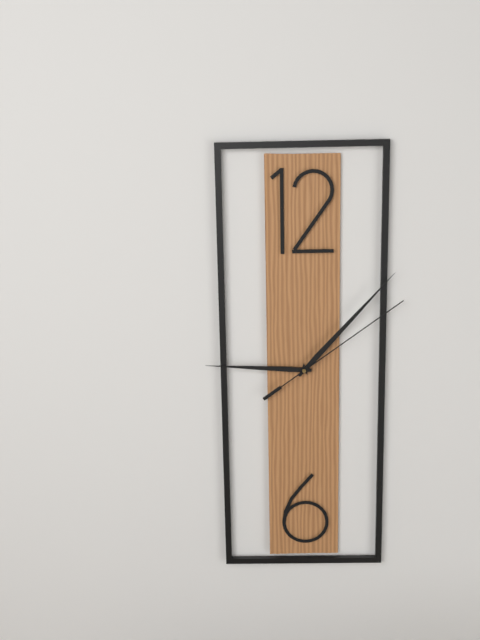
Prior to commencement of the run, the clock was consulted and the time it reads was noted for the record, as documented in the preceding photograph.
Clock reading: 9:07:09
